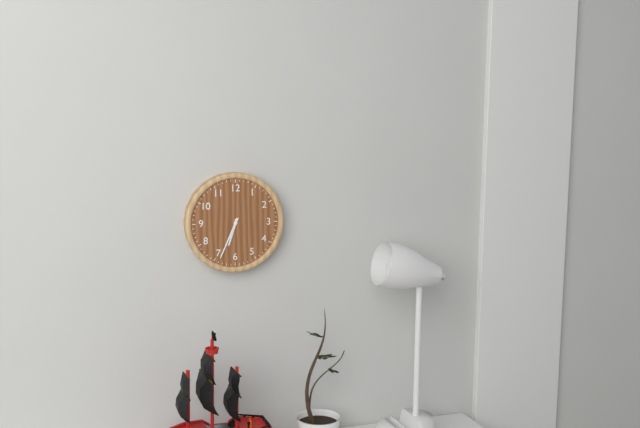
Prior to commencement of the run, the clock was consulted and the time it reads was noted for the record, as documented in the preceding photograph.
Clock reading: 6:34
